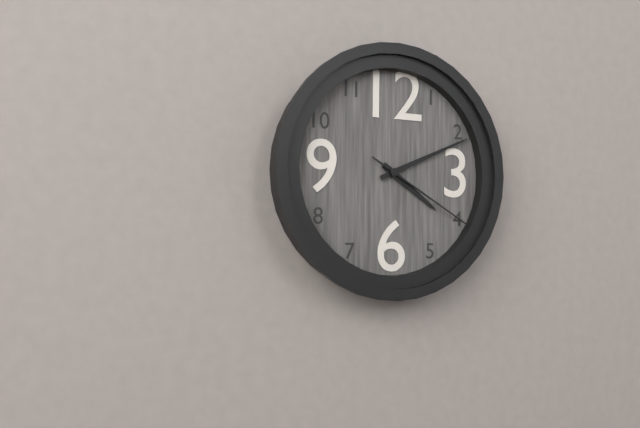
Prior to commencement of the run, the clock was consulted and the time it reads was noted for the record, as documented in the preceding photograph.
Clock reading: 4:11:20
